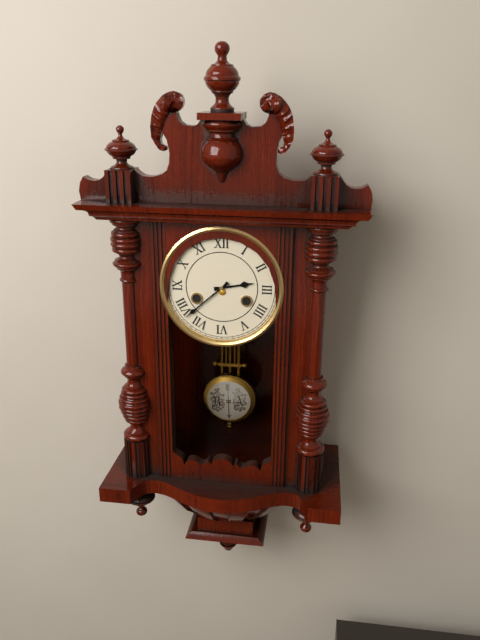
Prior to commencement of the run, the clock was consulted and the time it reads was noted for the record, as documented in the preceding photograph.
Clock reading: 2:38
